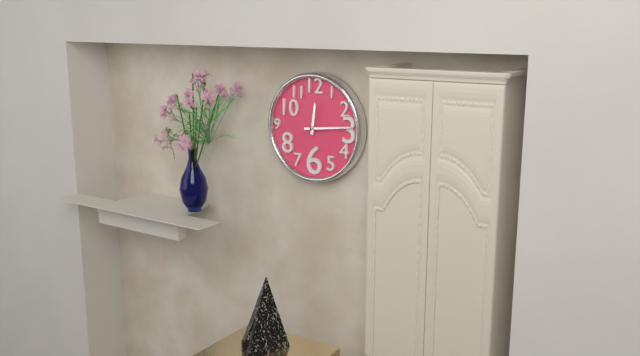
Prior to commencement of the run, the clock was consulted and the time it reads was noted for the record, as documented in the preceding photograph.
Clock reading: 12:14
